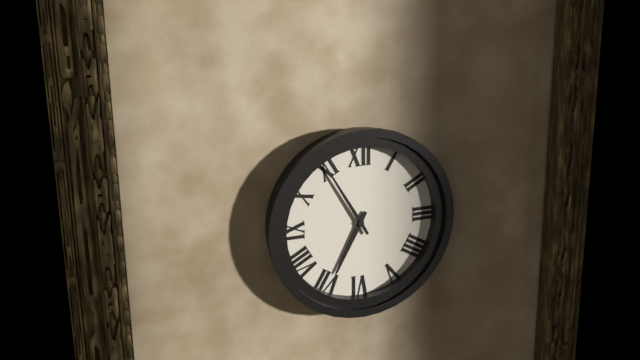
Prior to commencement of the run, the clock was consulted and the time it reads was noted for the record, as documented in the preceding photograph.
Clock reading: 6:55
